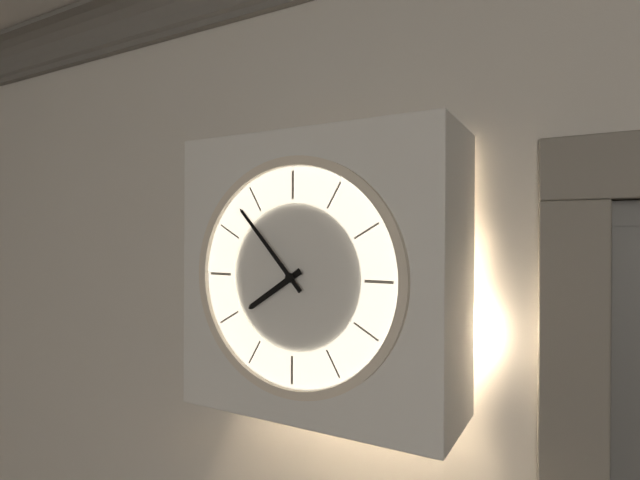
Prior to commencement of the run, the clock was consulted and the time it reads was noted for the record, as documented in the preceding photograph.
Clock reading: 7:53
